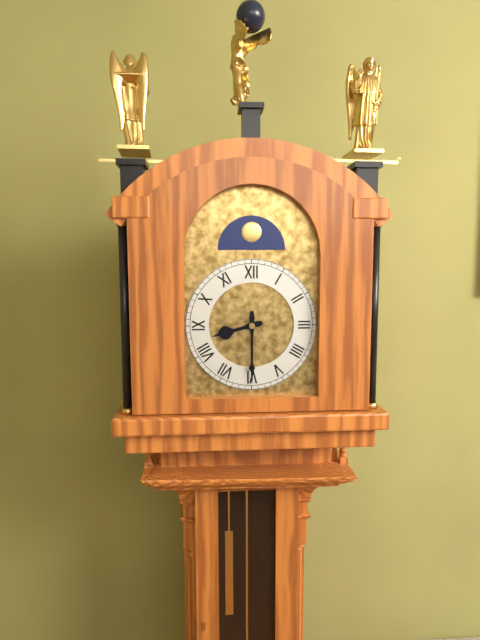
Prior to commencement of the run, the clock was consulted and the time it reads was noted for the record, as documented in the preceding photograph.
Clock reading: 8:30
